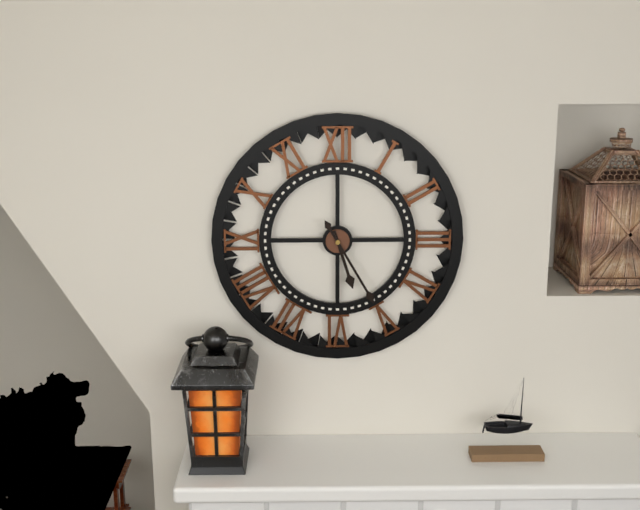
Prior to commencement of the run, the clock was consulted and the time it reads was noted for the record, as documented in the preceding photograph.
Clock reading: 5:25
